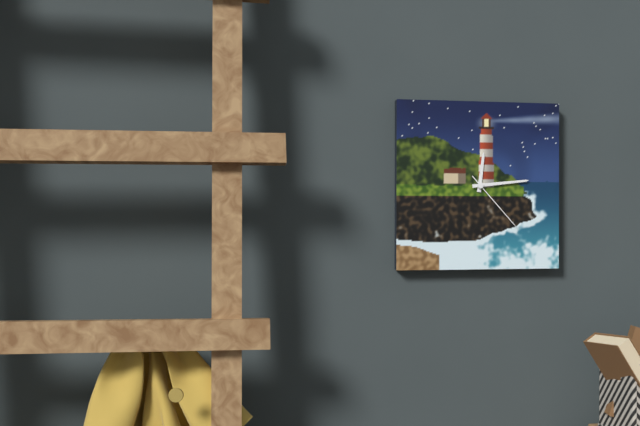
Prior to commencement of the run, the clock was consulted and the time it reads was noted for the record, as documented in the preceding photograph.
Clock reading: 12:14:23
